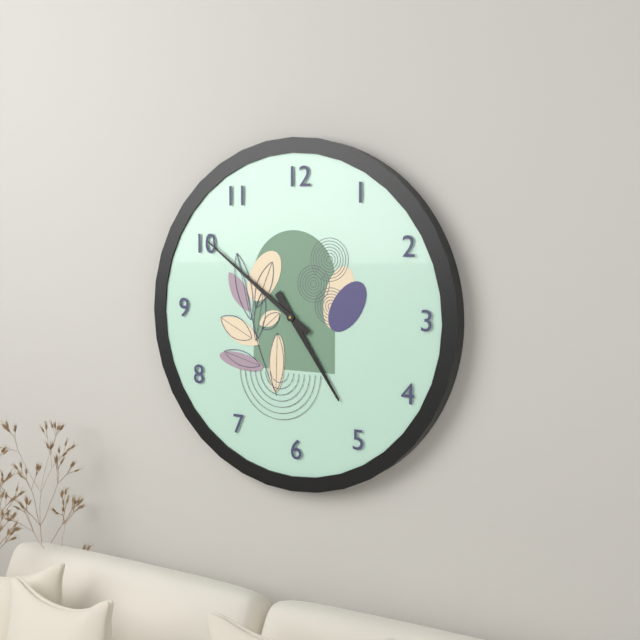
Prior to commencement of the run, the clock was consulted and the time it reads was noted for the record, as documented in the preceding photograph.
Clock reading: 4:51
